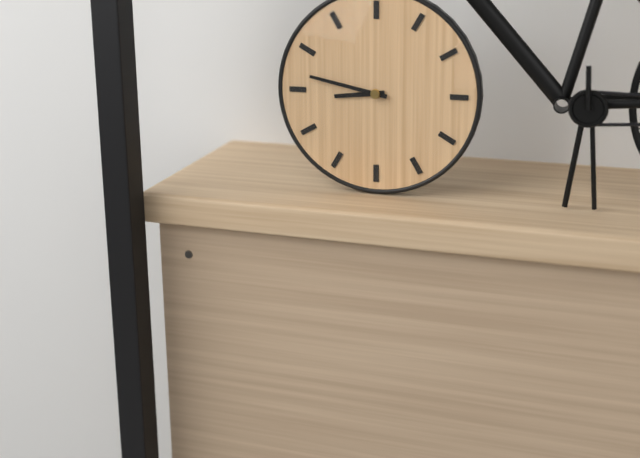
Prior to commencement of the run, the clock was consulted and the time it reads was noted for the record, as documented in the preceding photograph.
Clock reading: 8:47
